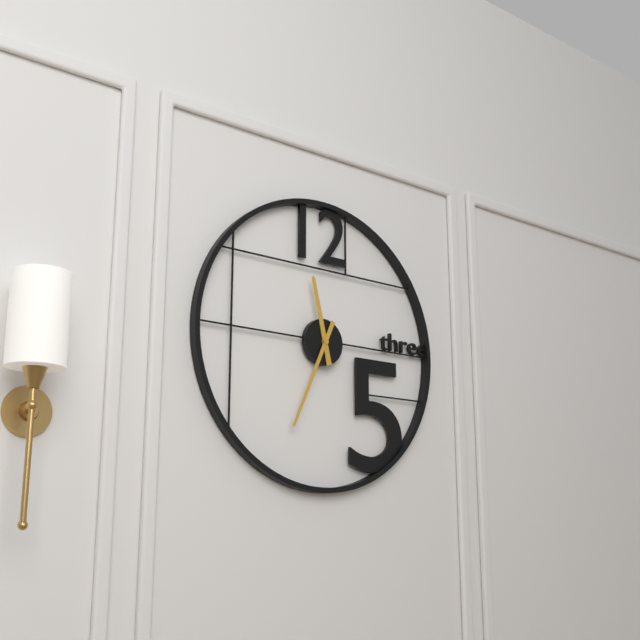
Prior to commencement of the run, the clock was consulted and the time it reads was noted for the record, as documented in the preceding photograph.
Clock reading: 11:34
